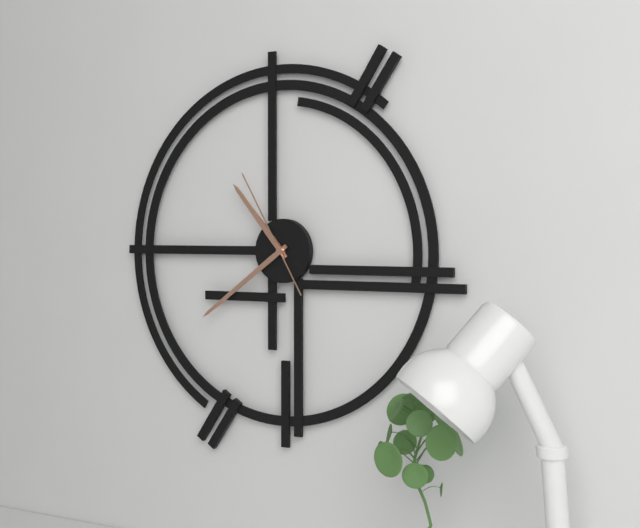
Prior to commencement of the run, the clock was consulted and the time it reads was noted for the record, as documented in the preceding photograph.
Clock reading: 10:39:55
